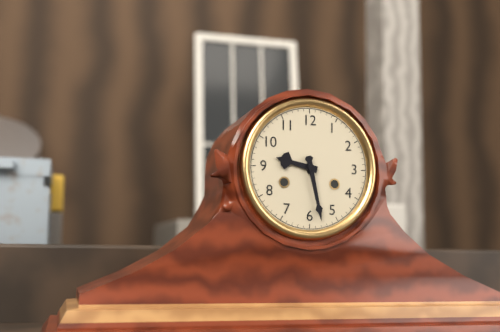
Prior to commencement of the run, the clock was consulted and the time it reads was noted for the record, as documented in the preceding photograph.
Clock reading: 9:28
